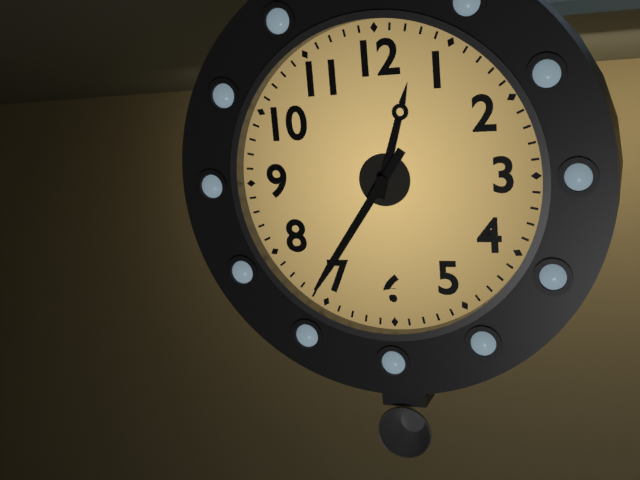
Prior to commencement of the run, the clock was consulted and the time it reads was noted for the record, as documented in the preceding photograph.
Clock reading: 12:36
